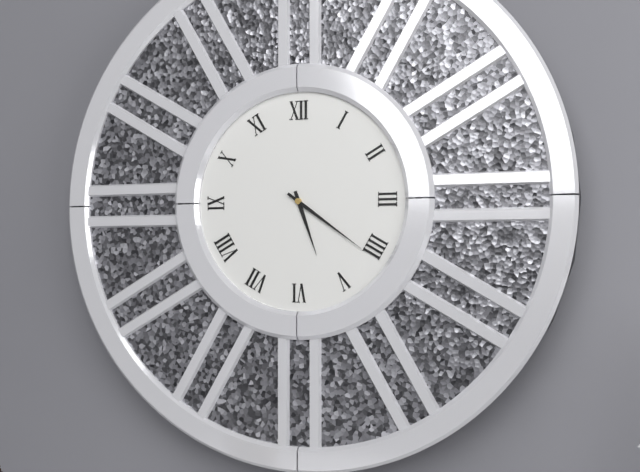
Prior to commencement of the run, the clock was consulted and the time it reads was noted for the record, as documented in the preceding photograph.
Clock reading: 5:21
